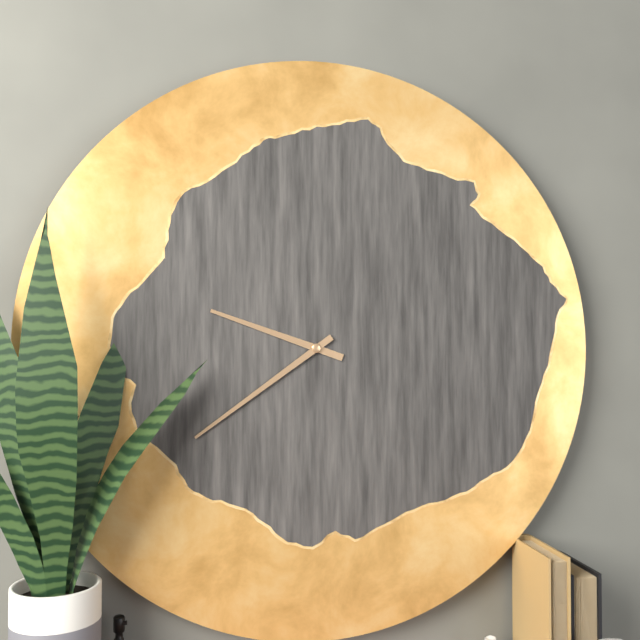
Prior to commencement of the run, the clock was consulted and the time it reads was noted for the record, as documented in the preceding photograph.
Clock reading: 9:39
